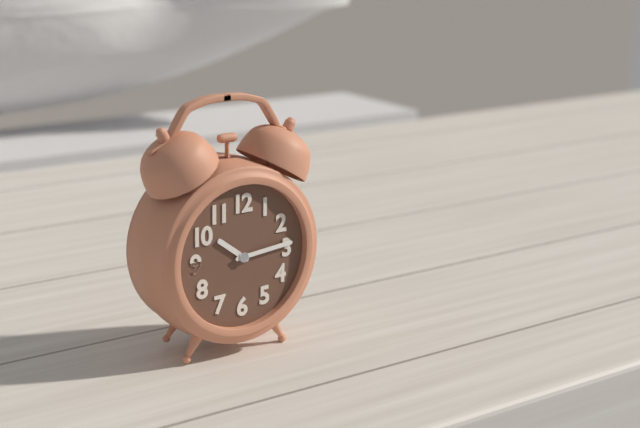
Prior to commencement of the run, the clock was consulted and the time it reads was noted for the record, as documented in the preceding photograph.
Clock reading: 10:14
